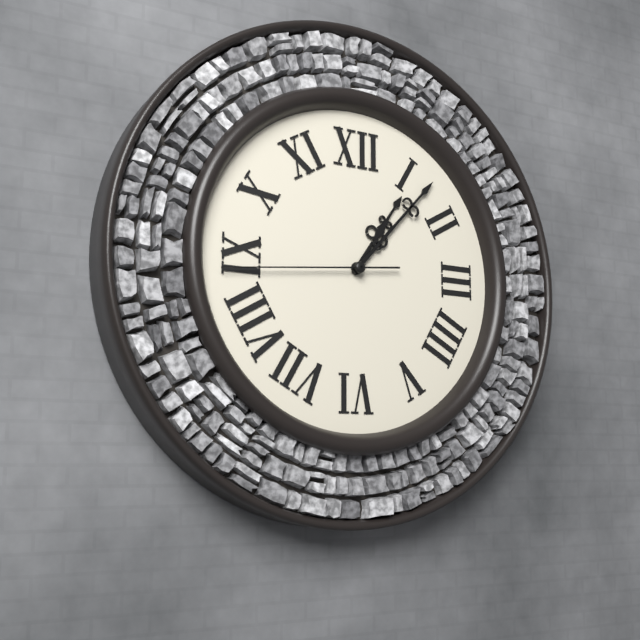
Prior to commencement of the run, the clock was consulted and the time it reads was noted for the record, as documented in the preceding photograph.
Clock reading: 1:07:44
